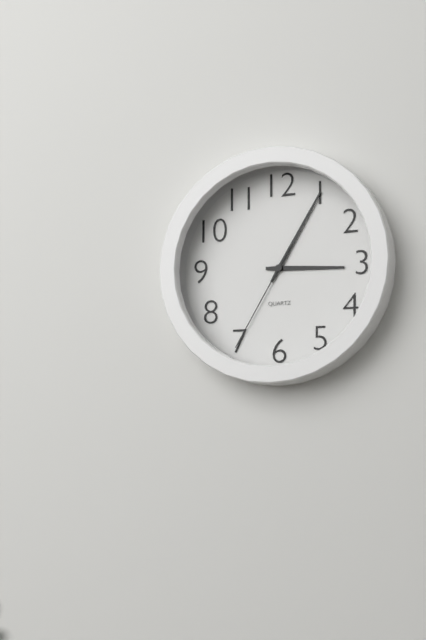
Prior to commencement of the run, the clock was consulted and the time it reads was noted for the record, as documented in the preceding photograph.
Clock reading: 3:05:35
